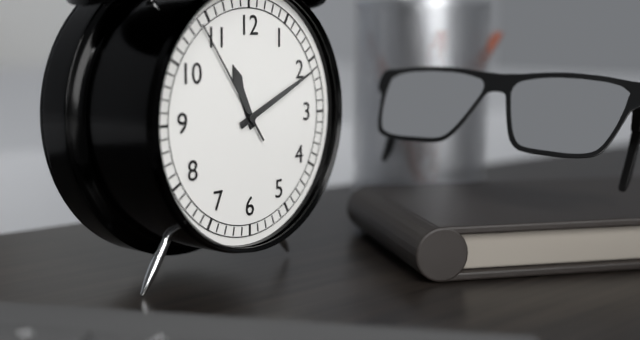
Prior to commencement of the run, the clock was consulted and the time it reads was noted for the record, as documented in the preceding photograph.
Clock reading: 11:11:54
